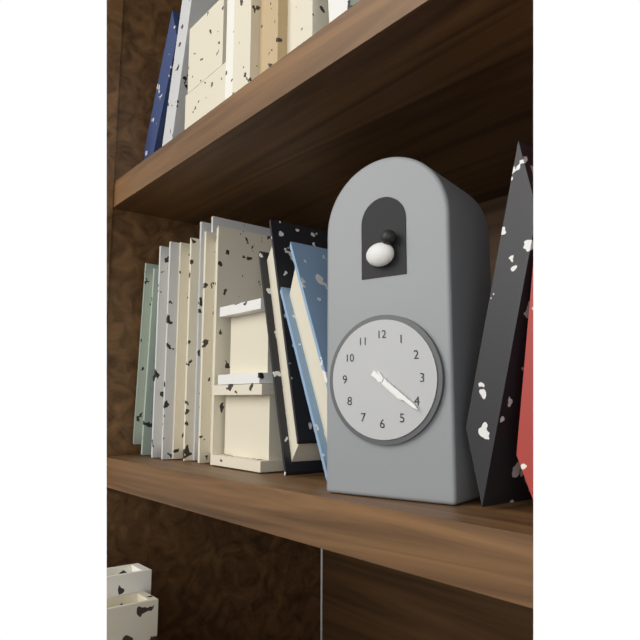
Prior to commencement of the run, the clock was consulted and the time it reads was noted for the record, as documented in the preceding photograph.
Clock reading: 4:21
